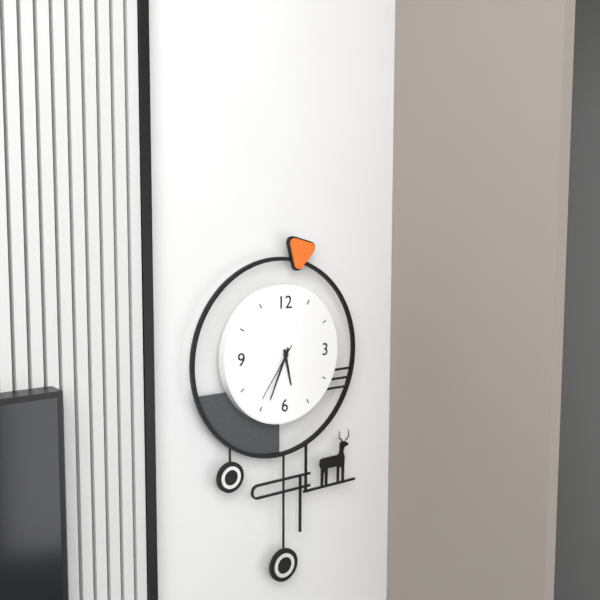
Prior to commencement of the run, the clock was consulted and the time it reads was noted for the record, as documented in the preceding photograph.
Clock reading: 5:34:36
